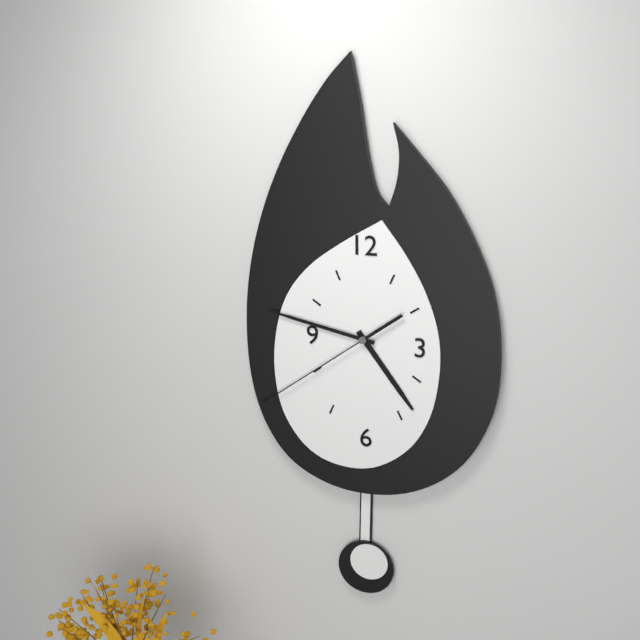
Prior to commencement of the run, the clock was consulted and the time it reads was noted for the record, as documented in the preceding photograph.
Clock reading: 4:47:39
